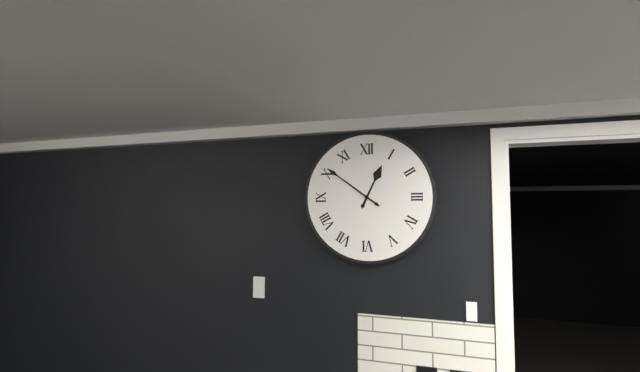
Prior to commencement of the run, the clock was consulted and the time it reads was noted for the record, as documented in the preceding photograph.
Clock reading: 12:51
